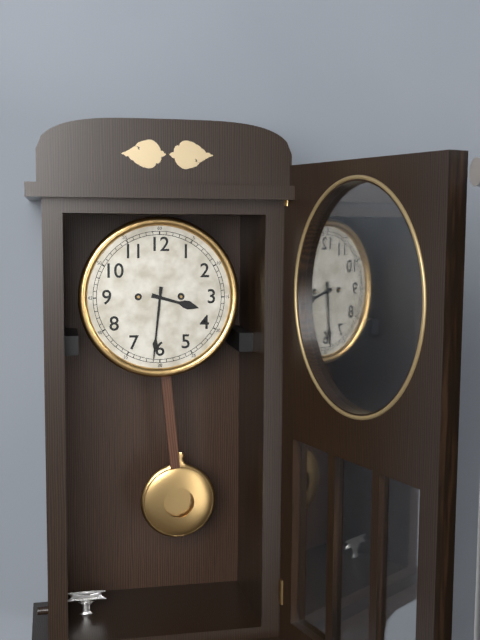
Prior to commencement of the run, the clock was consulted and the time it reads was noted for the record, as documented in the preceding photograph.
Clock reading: 3:31
